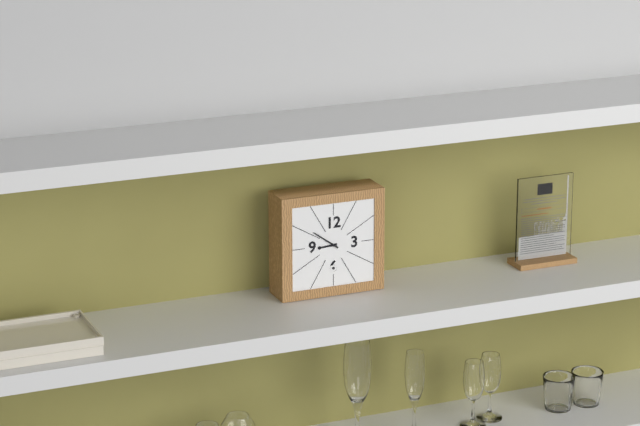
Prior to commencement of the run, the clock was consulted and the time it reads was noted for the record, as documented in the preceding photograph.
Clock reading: 8:51
